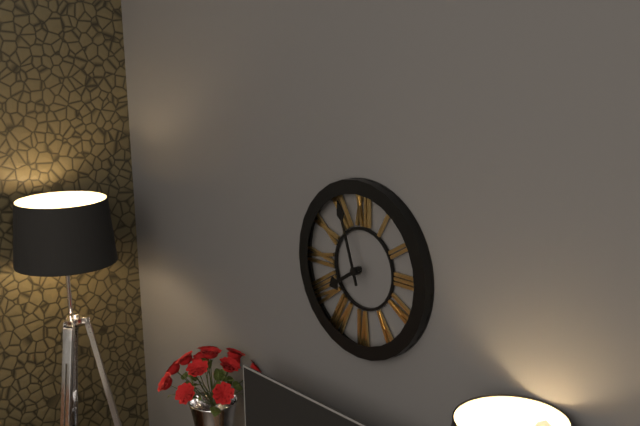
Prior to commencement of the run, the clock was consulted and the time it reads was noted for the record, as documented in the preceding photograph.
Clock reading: 7:57
